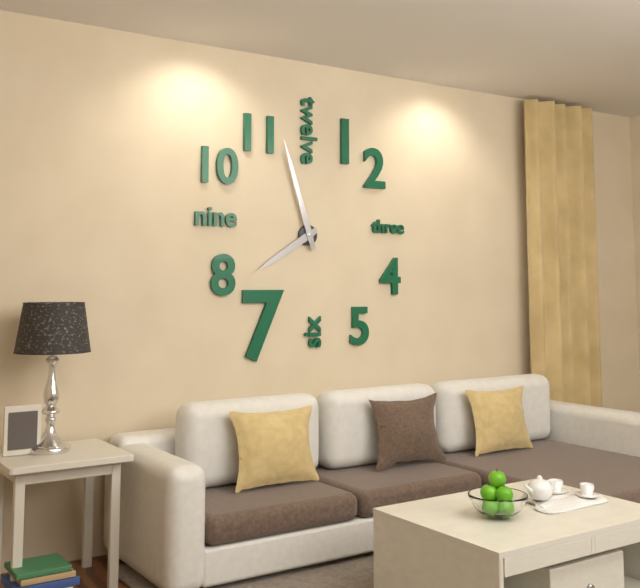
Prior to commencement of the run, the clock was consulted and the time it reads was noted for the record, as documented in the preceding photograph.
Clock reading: 7:57
